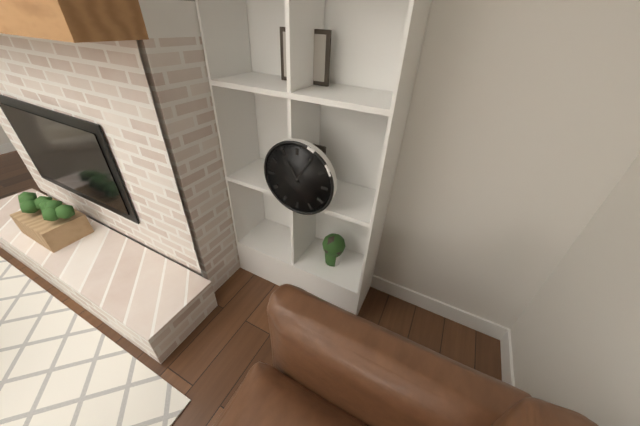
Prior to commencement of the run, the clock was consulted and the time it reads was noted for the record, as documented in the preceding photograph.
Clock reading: 11:05
